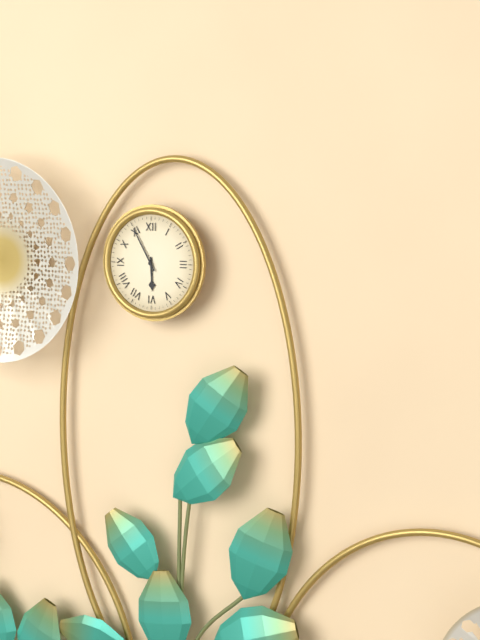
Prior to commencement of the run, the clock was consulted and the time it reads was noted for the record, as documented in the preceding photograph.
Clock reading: 5:55
